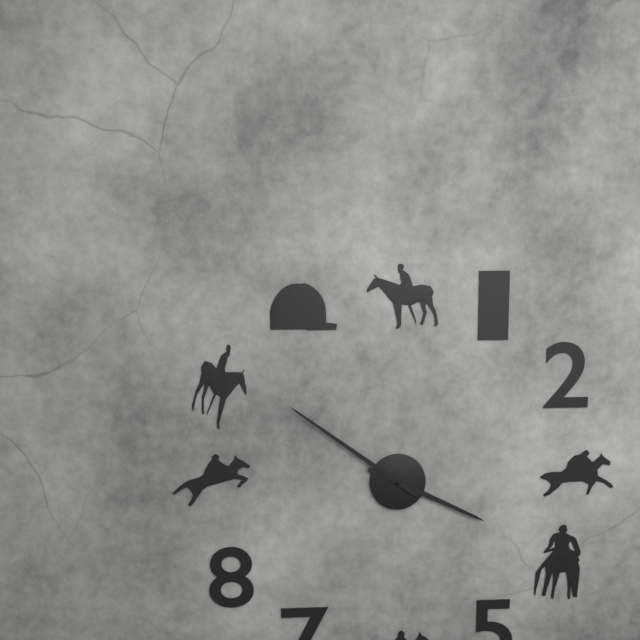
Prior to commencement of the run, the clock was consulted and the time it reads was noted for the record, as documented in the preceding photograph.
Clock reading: 3:51
